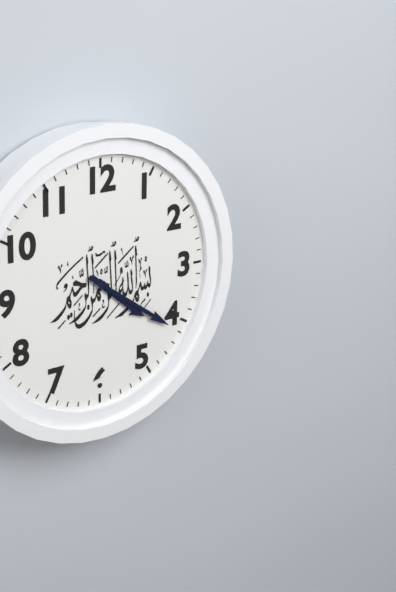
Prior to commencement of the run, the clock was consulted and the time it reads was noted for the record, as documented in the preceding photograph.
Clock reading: 4:21
